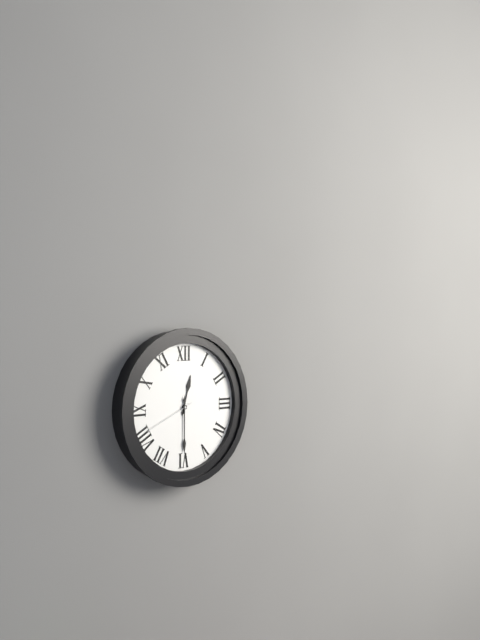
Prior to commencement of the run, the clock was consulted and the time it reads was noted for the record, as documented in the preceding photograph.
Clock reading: 12:30:41
